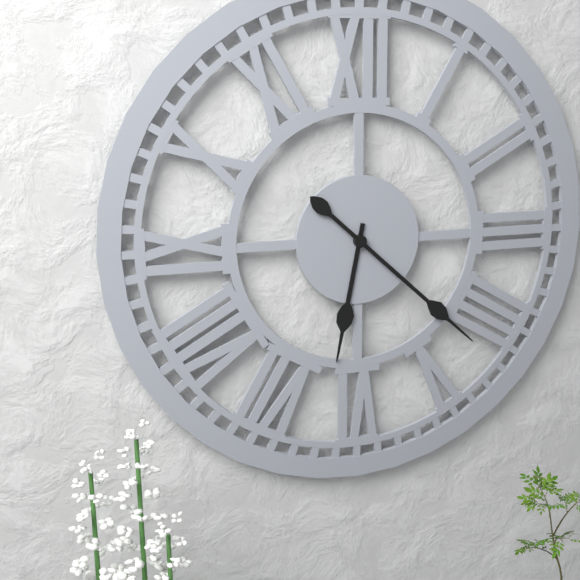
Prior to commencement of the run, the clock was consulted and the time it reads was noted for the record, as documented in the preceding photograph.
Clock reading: 6:22
